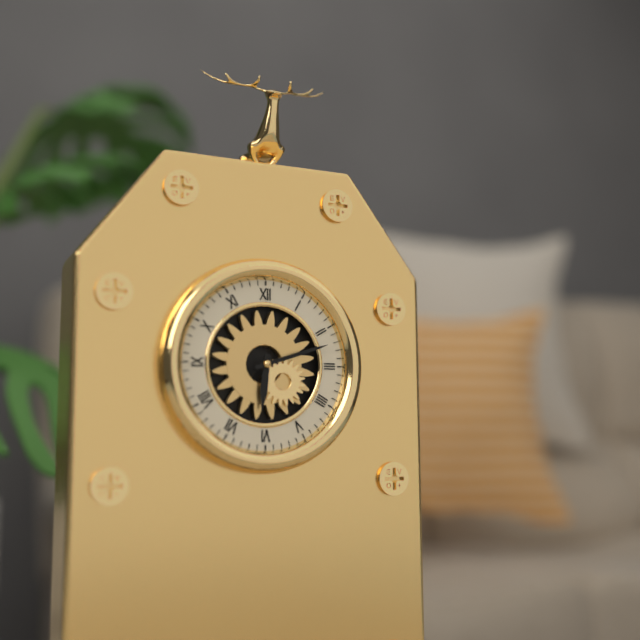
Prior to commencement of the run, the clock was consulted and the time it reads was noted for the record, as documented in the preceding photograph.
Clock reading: 6:12
